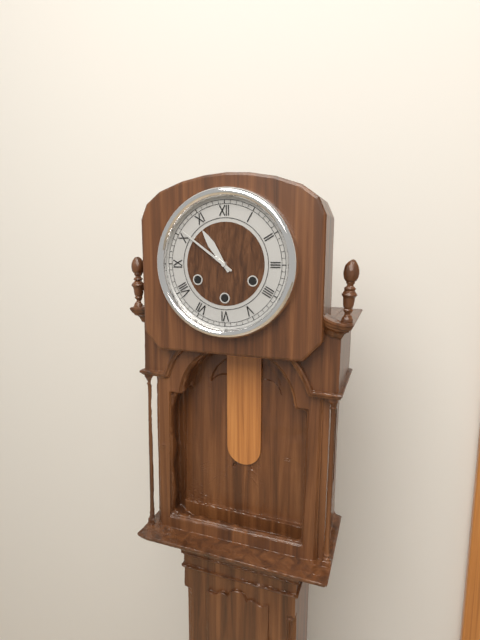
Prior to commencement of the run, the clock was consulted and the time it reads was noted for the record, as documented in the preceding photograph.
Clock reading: 10:51
